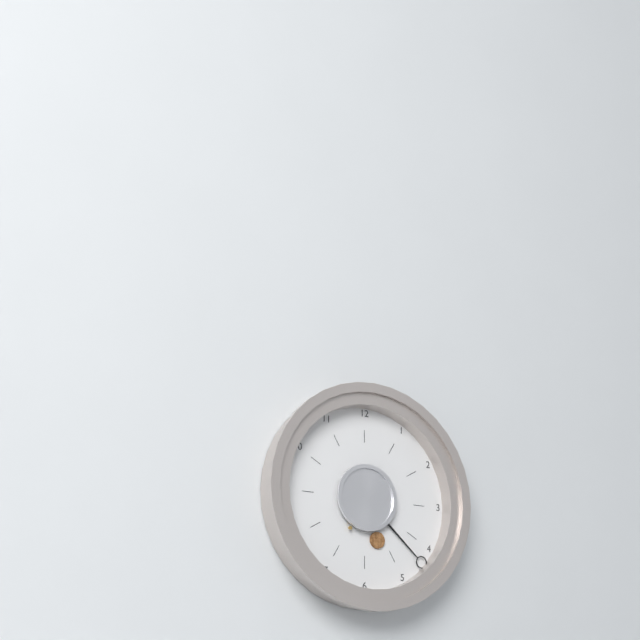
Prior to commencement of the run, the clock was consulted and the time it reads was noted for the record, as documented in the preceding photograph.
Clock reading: 5:22
